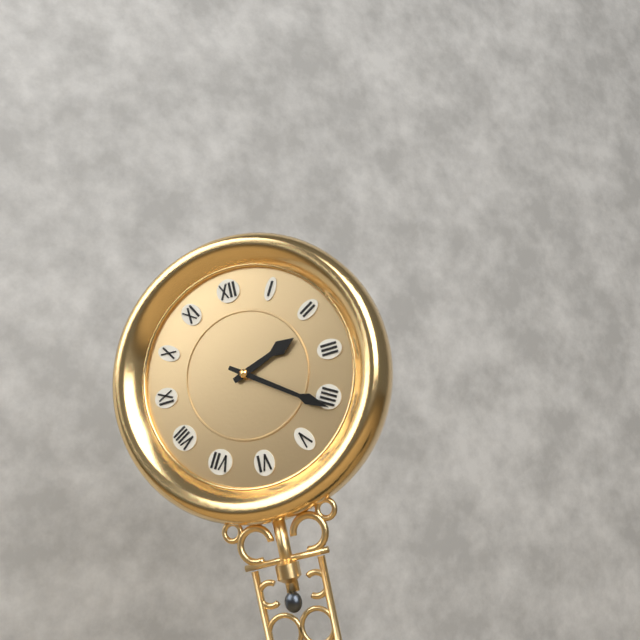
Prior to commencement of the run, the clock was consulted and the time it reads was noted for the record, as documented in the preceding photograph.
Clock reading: 2:21
